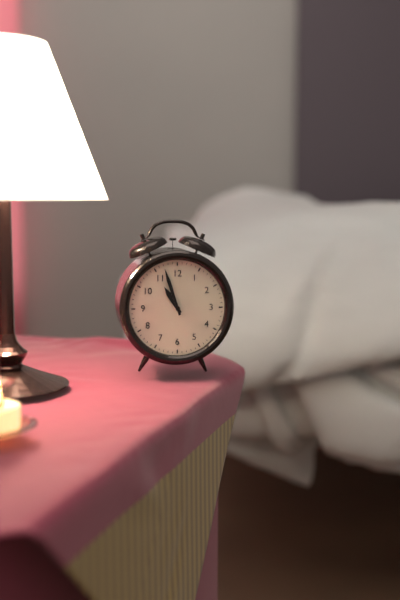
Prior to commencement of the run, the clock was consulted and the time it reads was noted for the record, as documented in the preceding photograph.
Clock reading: 10:57
